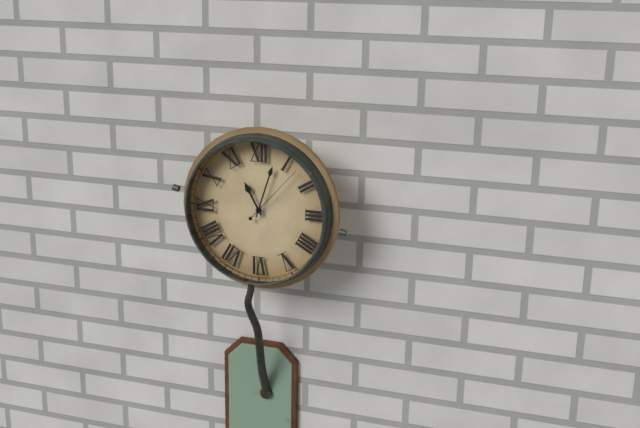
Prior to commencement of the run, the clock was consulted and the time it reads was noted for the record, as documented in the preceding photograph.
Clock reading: 11:03:07
